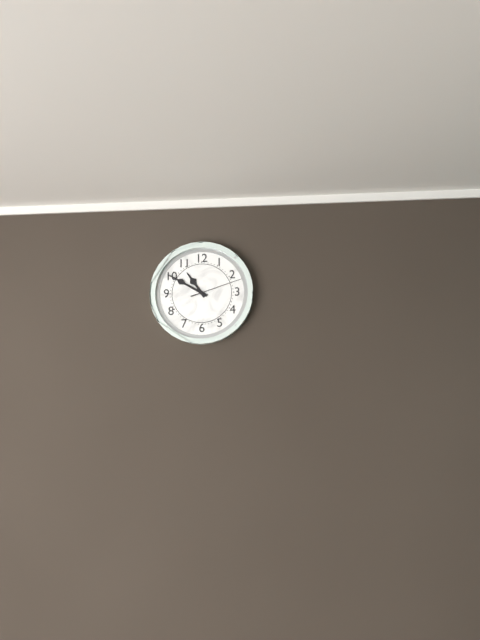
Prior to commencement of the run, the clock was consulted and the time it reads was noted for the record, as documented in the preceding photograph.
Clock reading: 10:50:12
